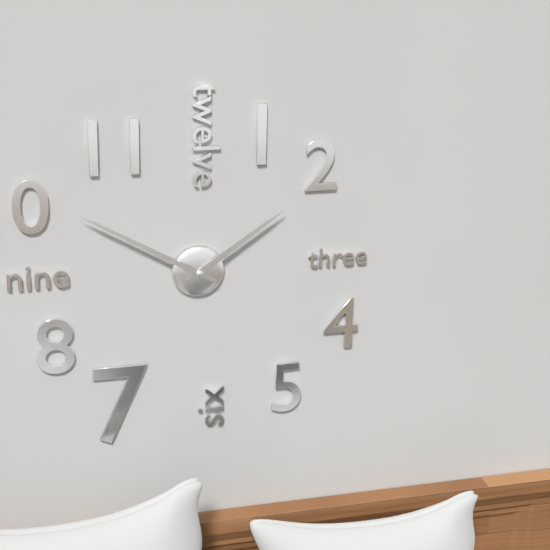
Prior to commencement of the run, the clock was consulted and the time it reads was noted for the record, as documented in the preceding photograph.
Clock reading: 1:50
